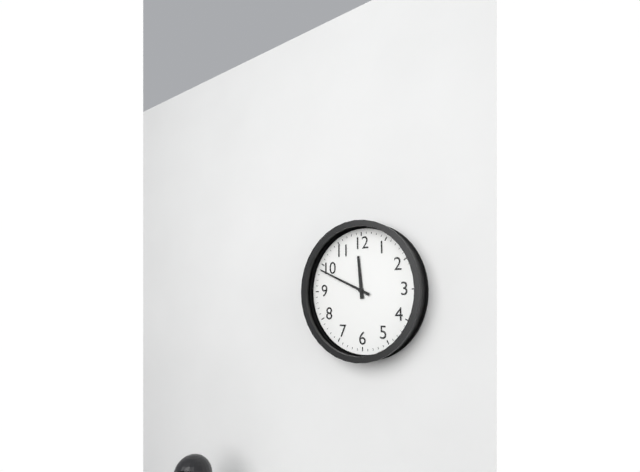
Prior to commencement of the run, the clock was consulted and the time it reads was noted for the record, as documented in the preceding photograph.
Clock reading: 11:49
